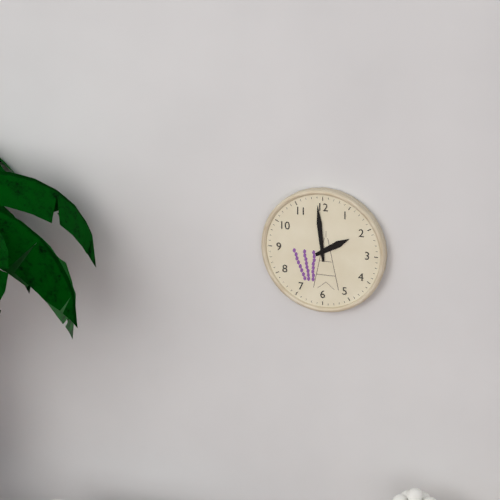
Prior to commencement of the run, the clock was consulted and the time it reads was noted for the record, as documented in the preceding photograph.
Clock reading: 1:59
